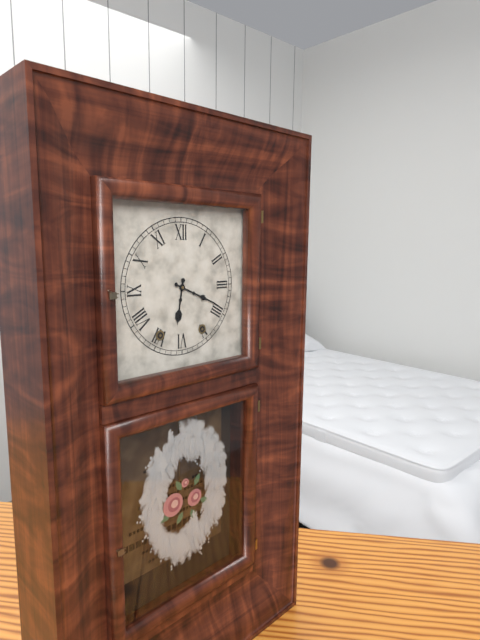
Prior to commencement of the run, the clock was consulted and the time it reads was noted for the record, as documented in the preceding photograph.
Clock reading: 6:19
